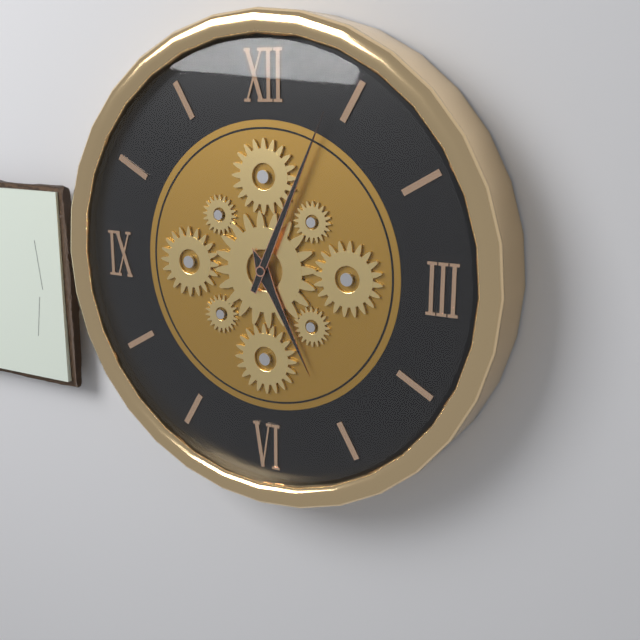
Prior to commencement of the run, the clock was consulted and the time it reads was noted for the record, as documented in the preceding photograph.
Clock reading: 5:04
